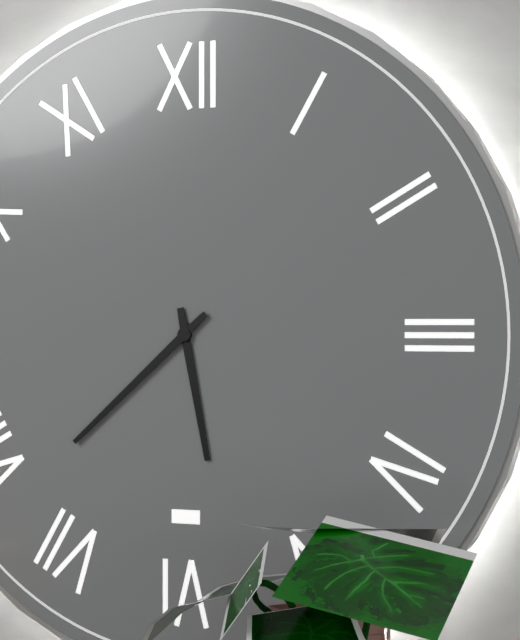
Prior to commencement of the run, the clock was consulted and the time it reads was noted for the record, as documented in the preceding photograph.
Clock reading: 5:38
